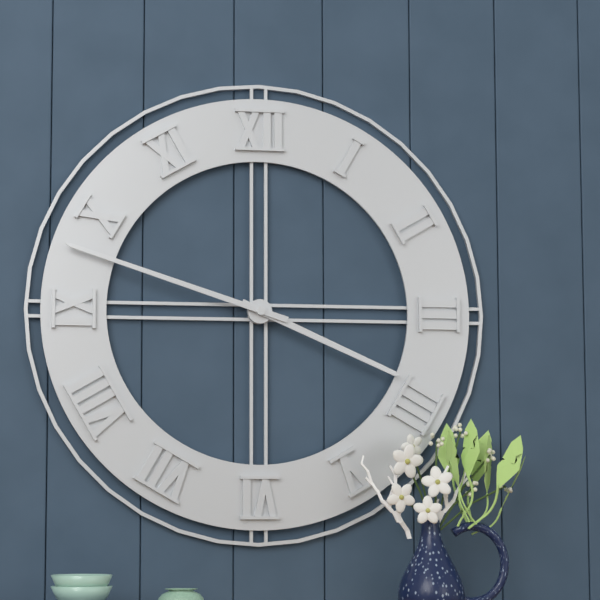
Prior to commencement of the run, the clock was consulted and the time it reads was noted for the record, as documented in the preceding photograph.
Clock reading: 3:48
